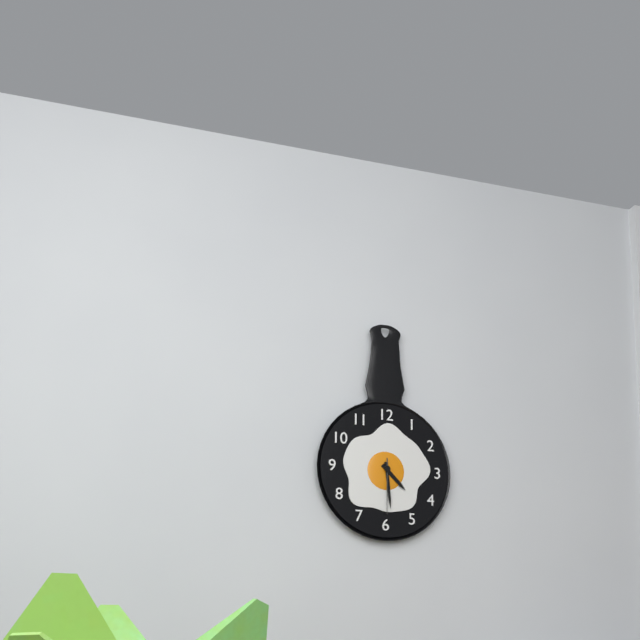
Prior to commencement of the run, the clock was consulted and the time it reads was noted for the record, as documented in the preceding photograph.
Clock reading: 4:29:30
